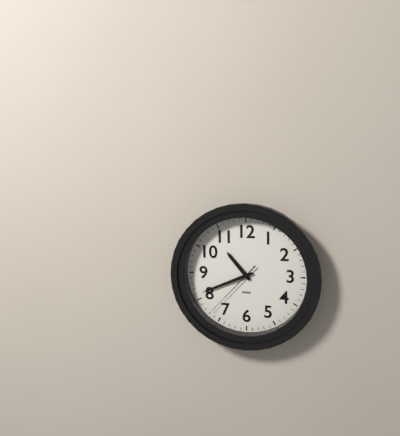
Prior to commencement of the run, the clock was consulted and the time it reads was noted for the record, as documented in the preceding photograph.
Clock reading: 10:41:37
